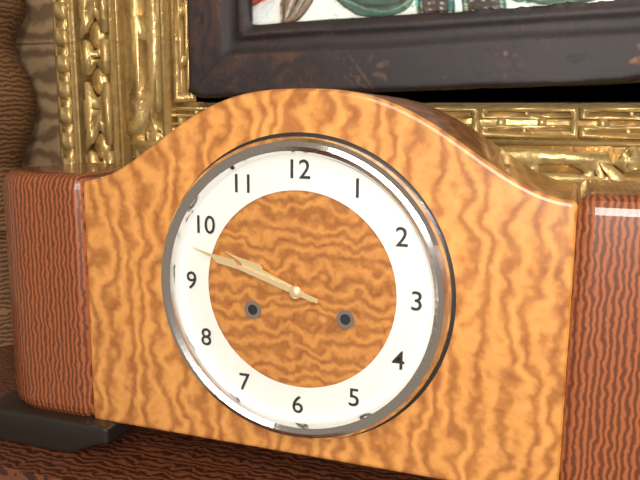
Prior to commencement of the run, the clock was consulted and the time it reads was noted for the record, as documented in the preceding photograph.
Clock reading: 9:48
